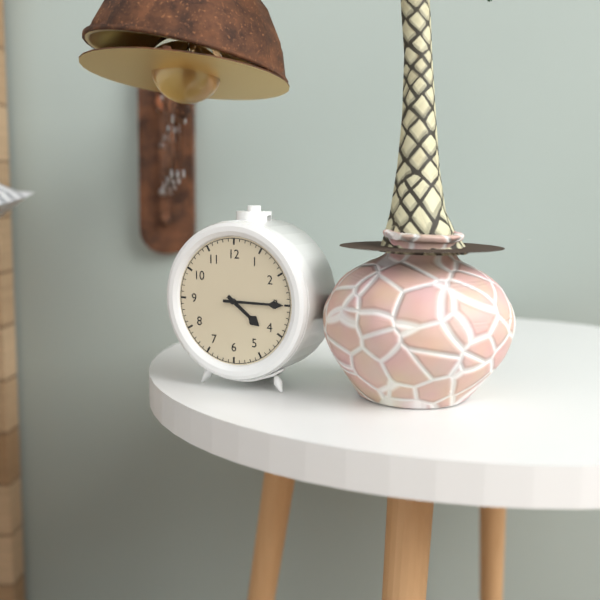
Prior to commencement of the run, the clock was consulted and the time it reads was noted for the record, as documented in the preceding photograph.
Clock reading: 4:15
